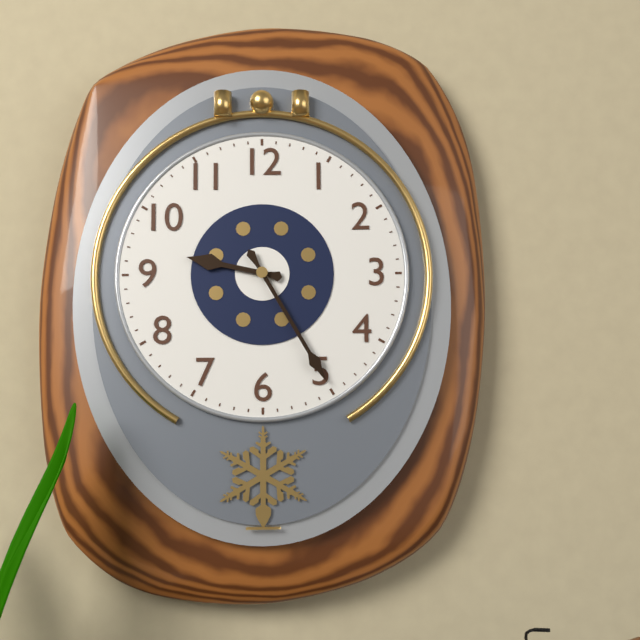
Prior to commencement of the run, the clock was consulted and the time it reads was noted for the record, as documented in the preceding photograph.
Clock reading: 9:25
